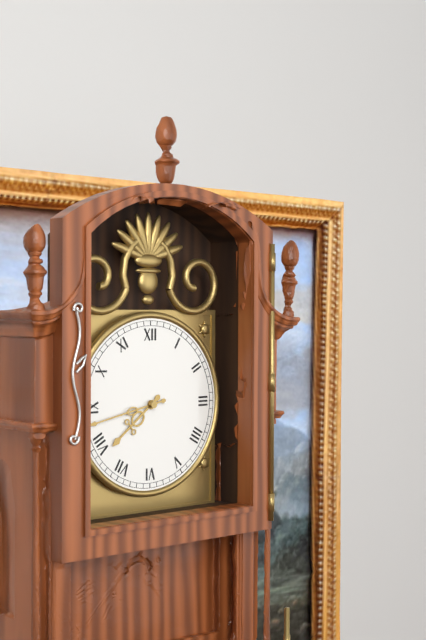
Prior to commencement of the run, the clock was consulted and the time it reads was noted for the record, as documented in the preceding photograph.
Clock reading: 7:43
